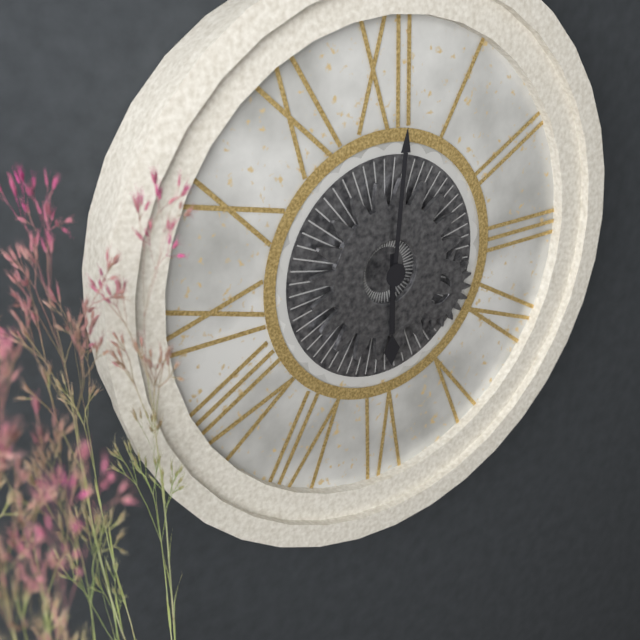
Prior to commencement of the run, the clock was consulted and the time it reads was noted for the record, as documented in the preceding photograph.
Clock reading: 6:01
